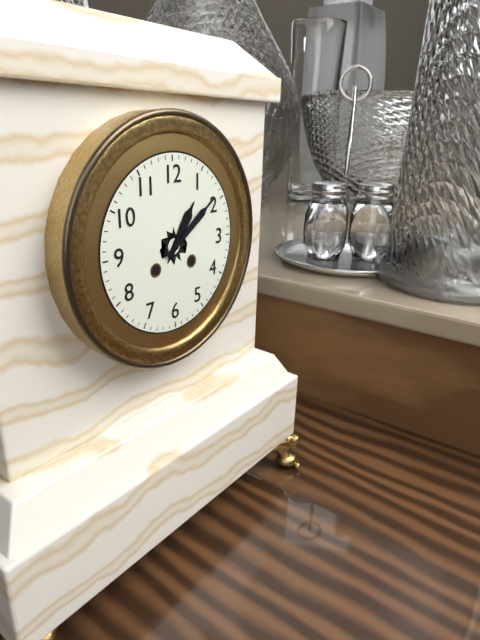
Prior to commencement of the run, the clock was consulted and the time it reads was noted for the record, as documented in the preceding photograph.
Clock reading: 1:09
